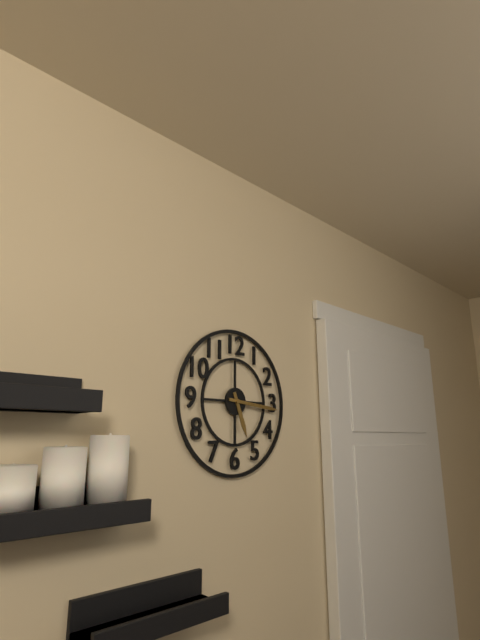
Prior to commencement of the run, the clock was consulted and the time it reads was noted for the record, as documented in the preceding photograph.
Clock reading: 5:16
